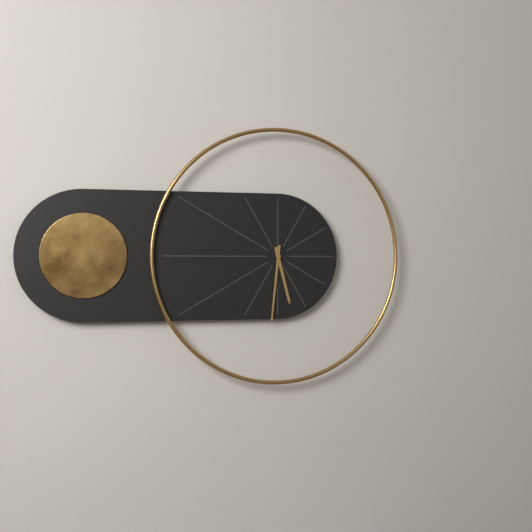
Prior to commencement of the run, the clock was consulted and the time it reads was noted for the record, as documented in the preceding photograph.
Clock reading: 5:31
